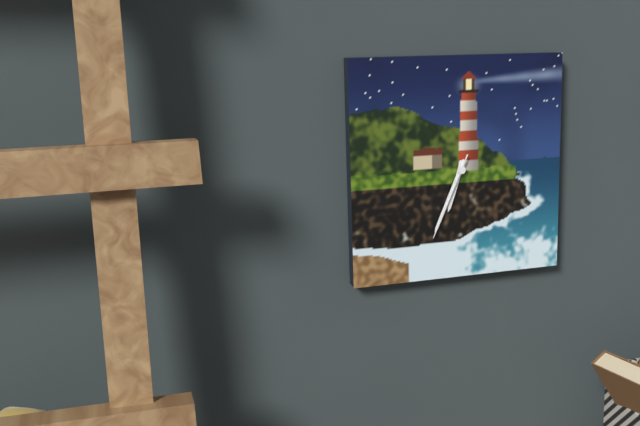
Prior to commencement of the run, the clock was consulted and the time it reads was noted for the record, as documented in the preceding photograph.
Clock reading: 6:34:34
